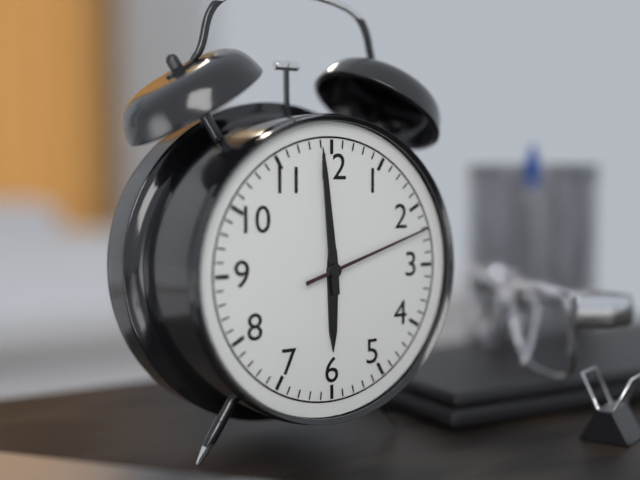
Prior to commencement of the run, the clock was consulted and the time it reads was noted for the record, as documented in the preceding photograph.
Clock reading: 5:59:12
